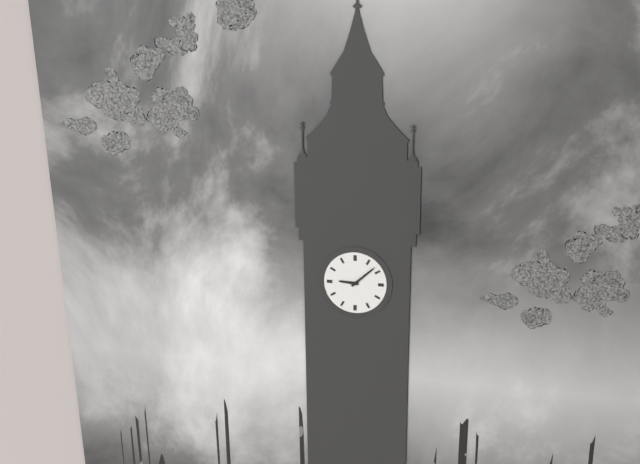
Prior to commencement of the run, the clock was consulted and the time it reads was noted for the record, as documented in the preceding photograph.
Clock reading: 9:08
